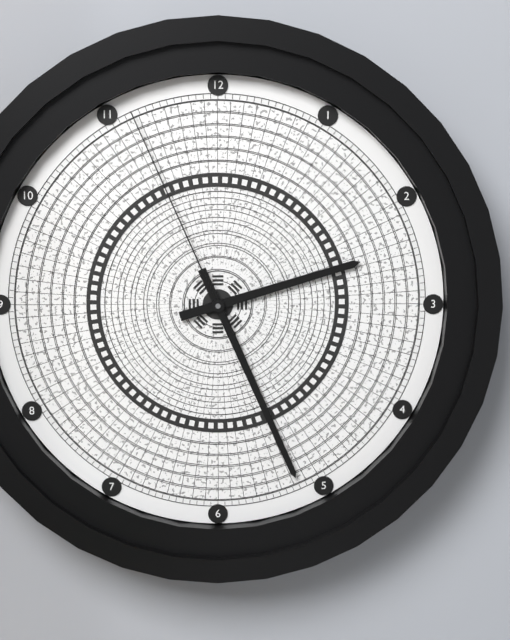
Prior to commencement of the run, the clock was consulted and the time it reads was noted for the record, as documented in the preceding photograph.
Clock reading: 2:26:56
